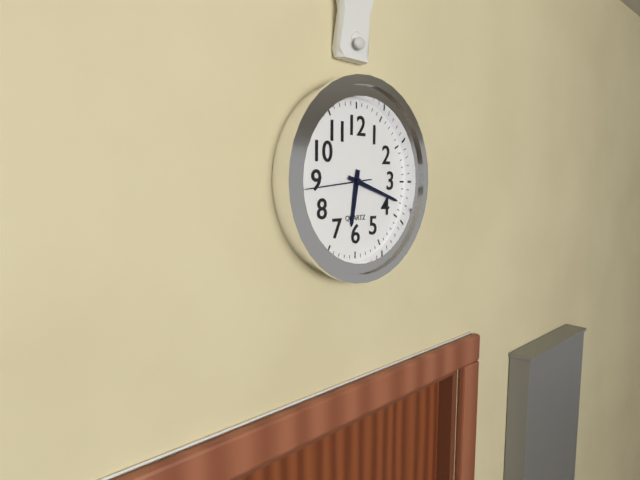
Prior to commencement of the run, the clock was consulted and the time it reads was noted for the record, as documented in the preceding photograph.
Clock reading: 6:18:44
